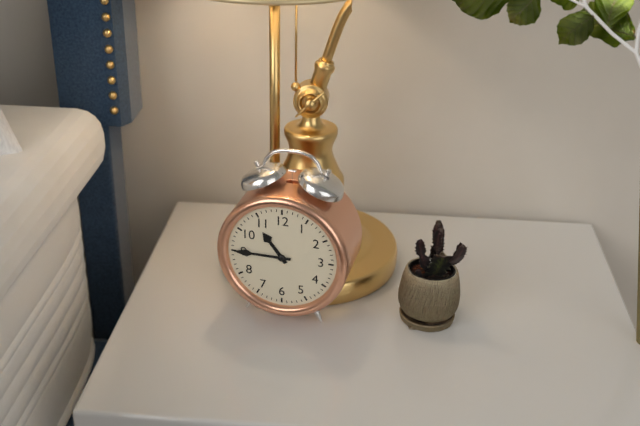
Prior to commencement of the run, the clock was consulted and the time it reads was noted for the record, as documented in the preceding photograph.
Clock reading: 10:45
